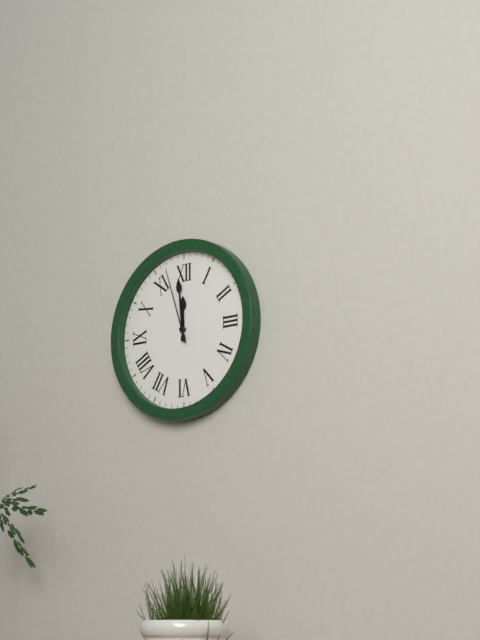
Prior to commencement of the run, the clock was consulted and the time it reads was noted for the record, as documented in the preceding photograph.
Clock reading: 11:59:57
